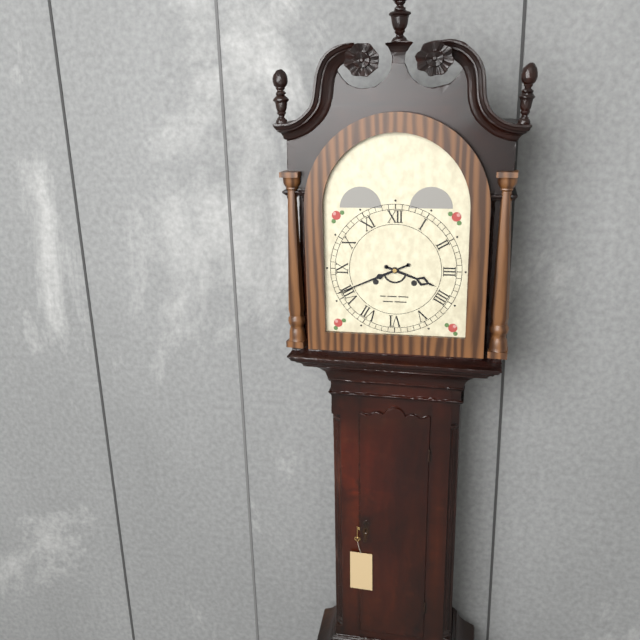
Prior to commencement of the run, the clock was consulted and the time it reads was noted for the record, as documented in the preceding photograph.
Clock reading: 3:41
